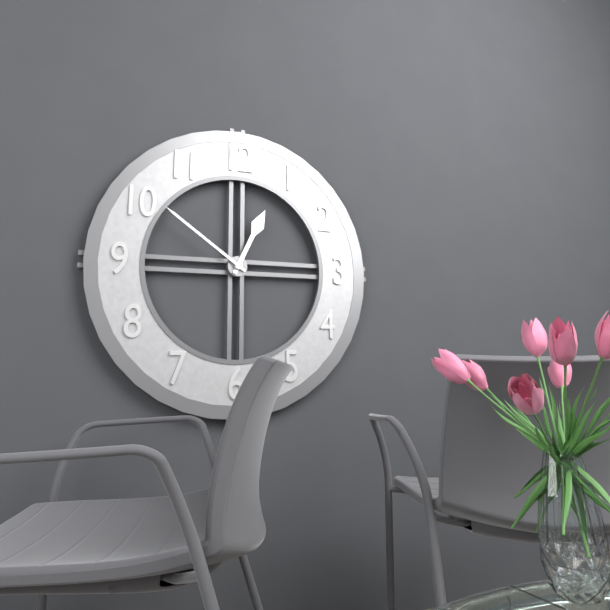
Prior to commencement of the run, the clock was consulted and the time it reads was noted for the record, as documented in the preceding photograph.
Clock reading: 12:51
